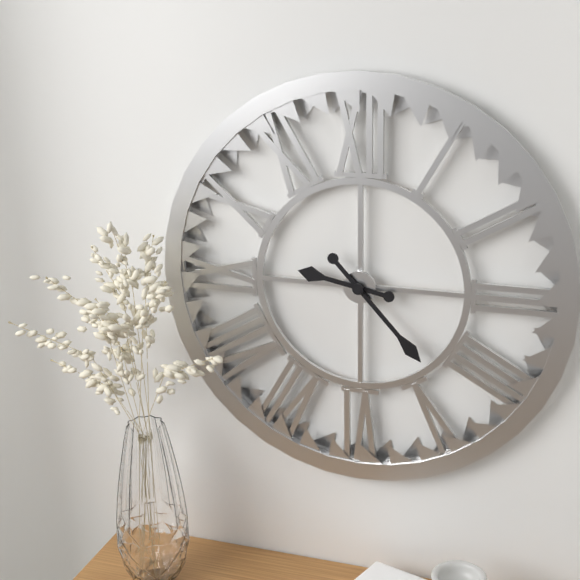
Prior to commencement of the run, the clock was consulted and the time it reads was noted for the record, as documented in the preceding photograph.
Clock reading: 9:23
